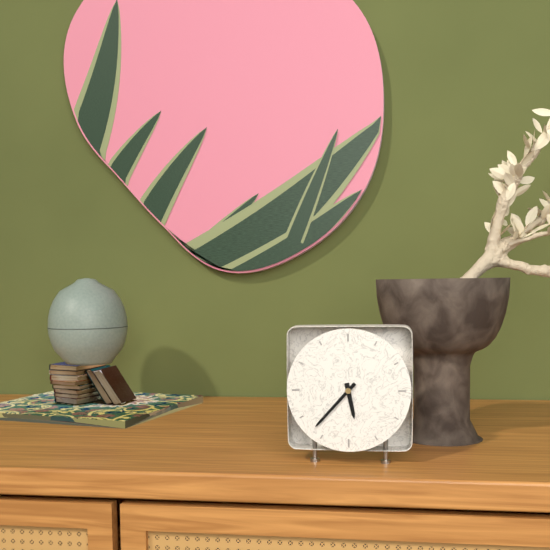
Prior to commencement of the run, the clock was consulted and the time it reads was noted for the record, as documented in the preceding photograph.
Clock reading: 5:37
